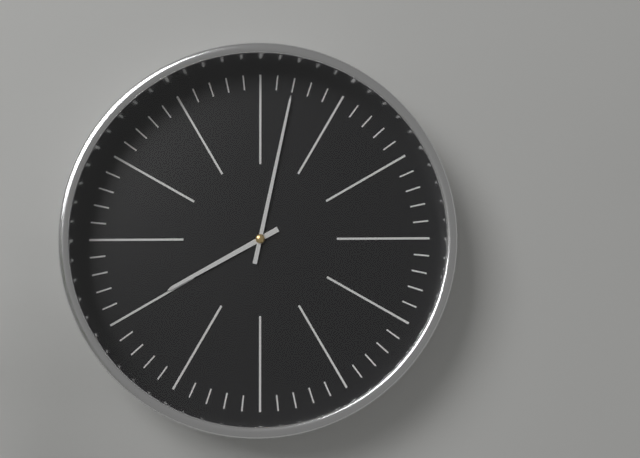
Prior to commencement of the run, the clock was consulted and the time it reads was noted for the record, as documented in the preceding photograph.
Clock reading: 8:02
